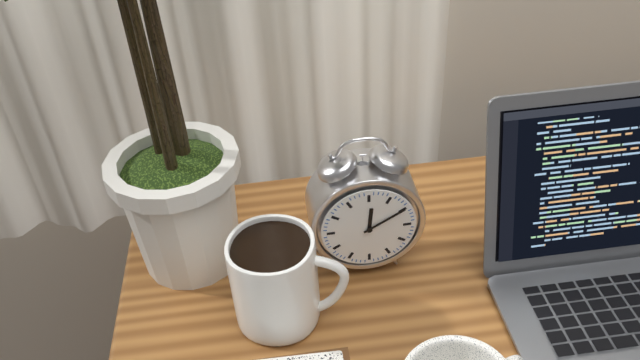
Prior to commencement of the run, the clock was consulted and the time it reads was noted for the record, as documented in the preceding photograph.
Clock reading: 12:10
